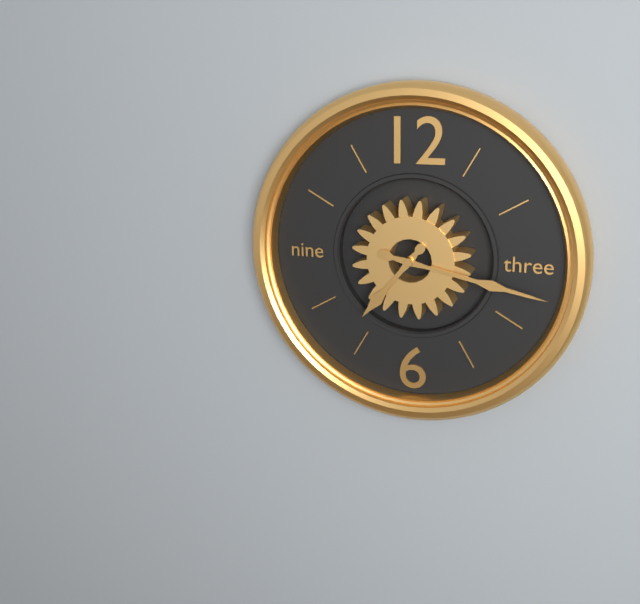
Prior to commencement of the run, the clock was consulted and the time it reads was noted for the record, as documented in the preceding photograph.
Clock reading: 7:17
